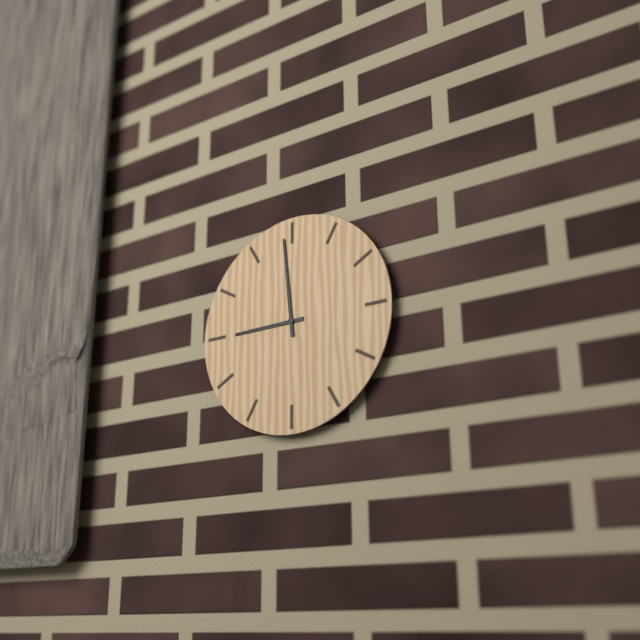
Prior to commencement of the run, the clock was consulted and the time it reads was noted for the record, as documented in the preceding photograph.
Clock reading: 8:59
